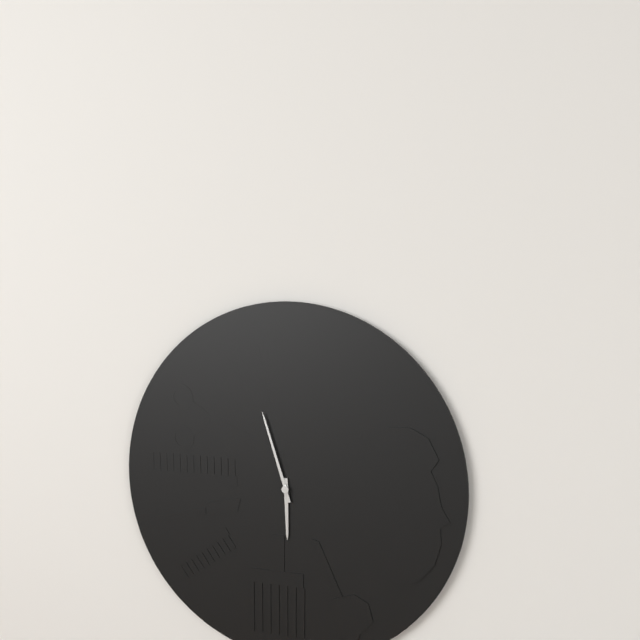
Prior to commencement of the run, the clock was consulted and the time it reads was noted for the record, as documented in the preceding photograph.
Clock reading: 5:57
